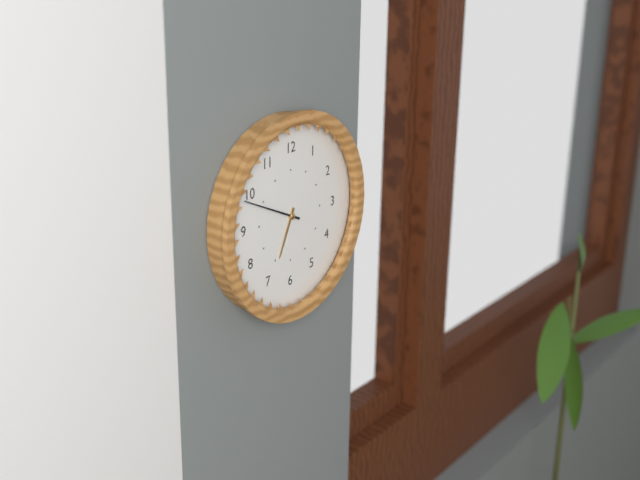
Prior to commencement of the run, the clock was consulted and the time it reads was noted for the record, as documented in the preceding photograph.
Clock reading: 6:49
